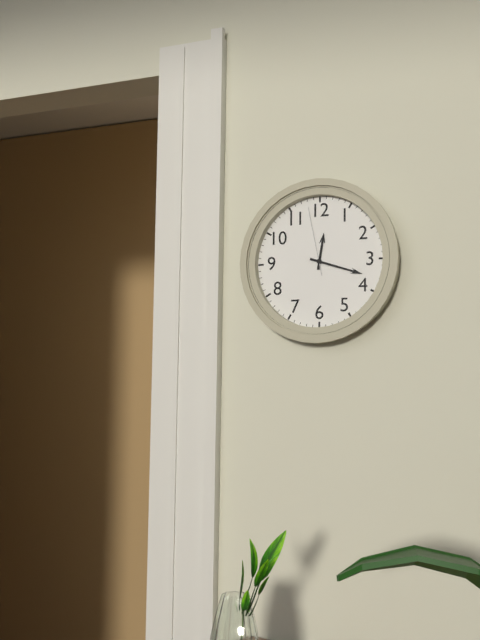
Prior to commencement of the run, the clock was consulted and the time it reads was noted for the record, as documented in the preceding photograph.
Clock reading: 12:18:58
